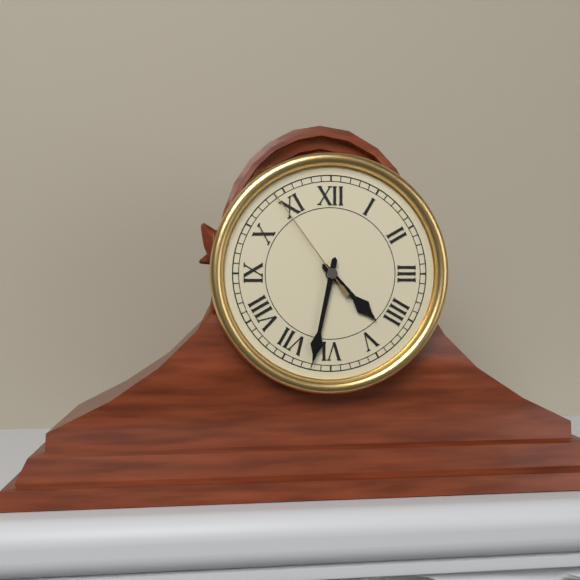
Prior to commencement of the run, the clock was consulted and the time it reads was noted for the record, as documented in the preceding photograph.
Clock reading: 4:32:54
